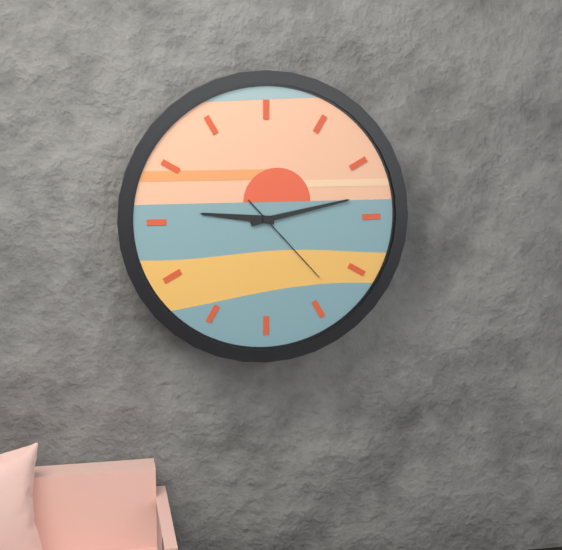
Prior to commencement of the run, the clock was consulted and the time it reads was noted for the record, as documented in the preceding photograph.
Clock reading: 9:13:23
